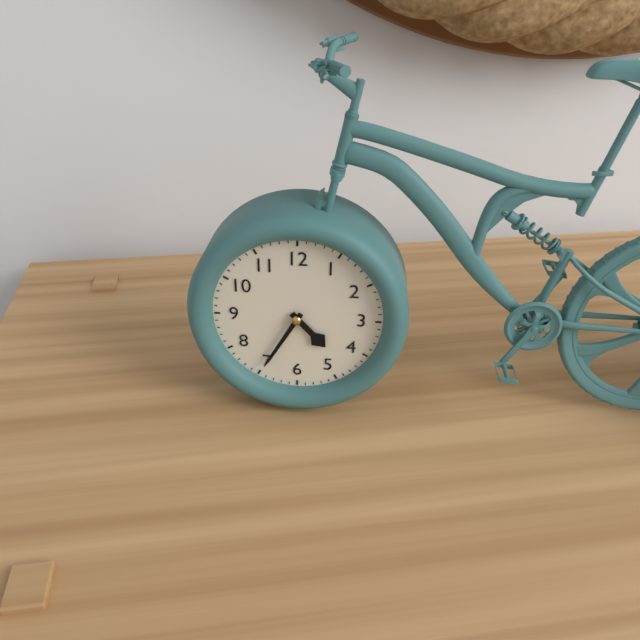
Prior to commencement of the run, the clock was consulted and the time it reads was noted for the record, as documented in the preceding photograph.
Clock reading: 4:35
